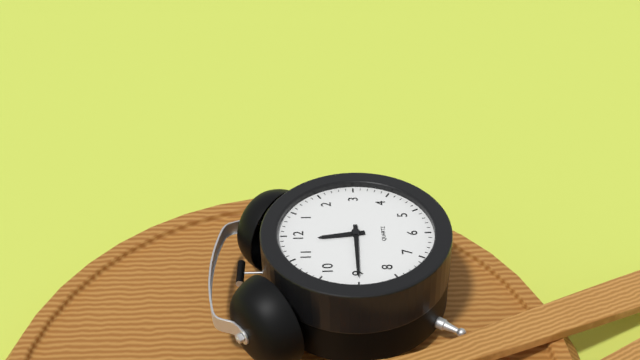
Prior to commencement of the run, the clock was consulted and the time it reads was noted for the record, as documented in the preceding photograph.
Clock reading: 11:45
